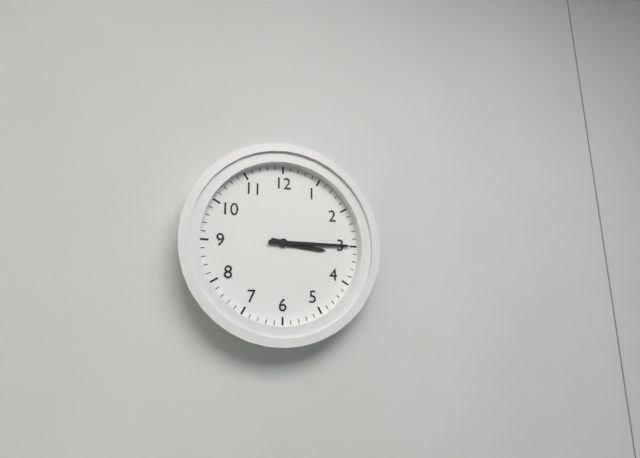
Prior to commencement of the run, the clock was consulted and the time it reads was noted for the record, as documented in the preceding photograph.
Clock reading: 3:15
